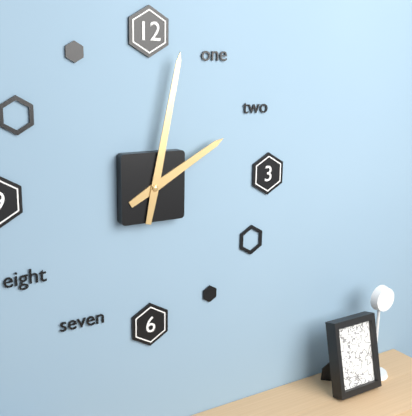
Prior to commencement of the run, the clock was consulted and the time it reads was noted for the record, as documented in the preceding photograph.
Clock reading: 2:02
